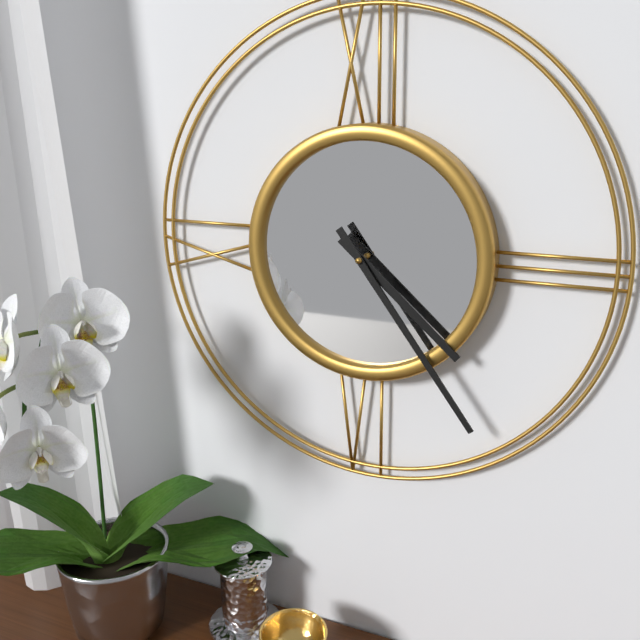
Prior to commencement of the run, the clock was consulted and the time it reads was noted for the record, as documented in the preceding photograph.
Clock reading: 4:24
